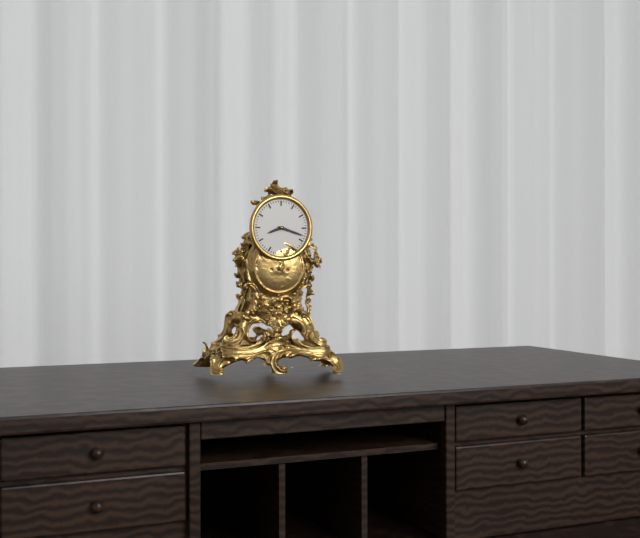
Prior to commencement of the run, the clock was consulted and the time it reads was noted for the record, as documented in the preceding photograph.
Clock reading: 8:18
